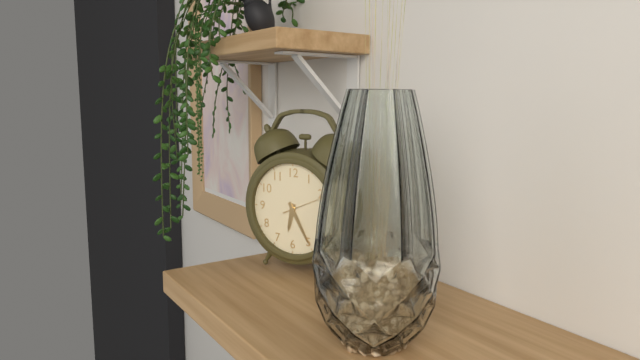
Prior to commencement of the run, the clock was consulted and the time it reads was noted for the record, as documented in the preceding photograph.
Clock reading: 6:25
